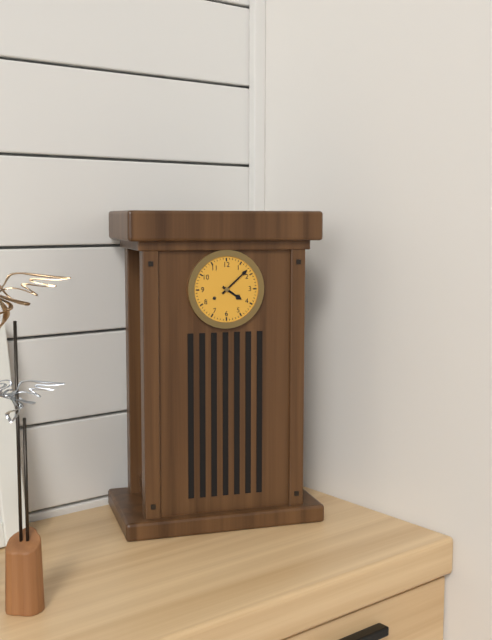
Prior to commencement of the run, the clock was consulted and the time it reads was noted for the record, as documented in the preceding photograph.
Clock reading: 4:08
